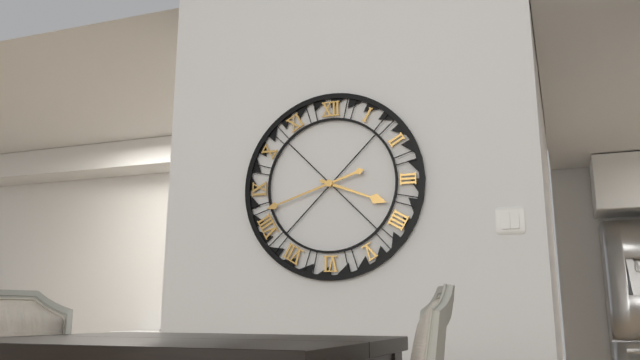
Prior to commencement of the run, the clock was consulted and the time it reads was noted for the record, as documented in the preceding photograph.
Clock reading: 3:42
